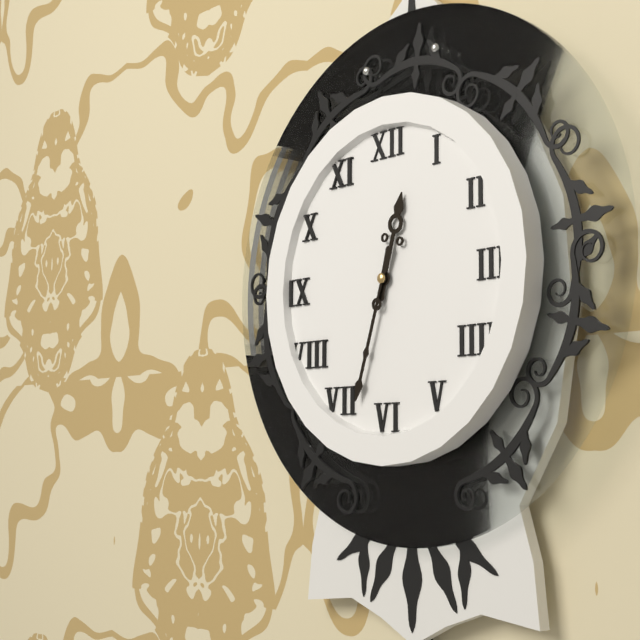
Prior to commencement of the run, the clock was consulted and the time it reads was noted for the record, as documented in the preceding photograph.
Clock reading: 12:33
